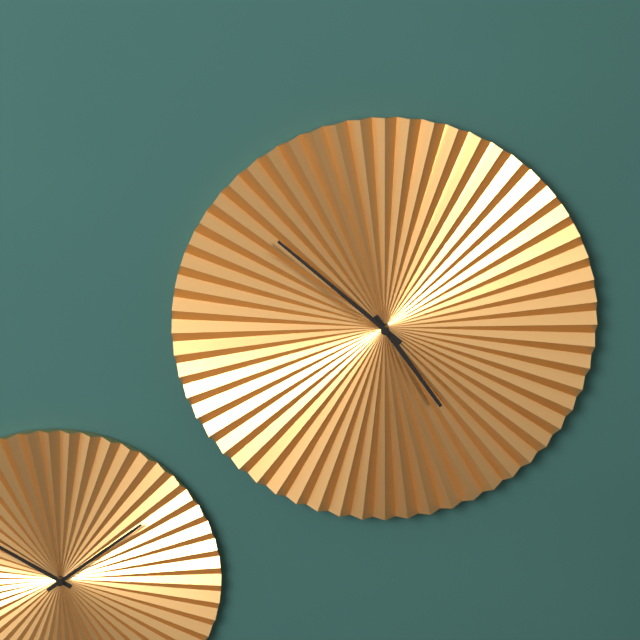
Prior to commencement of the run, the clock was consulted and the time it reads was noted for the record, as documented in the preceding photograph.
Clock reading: 4:52
